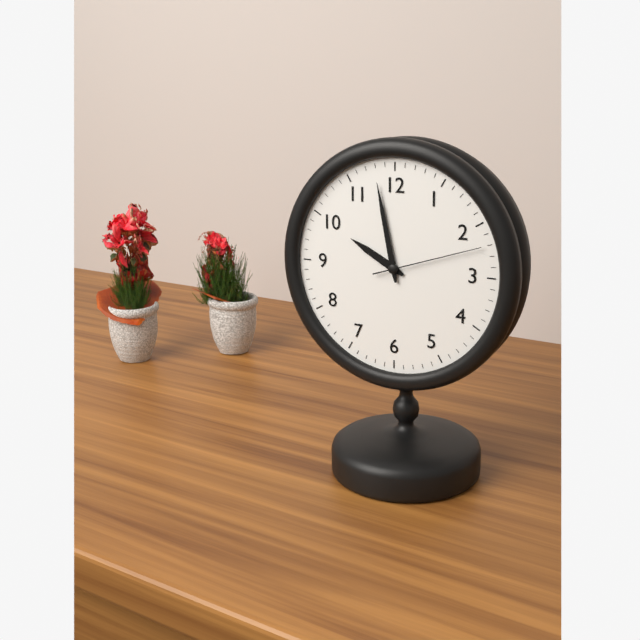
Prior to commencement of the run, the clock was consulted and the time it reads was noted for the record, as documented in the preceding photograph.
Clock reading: 9:58:12
